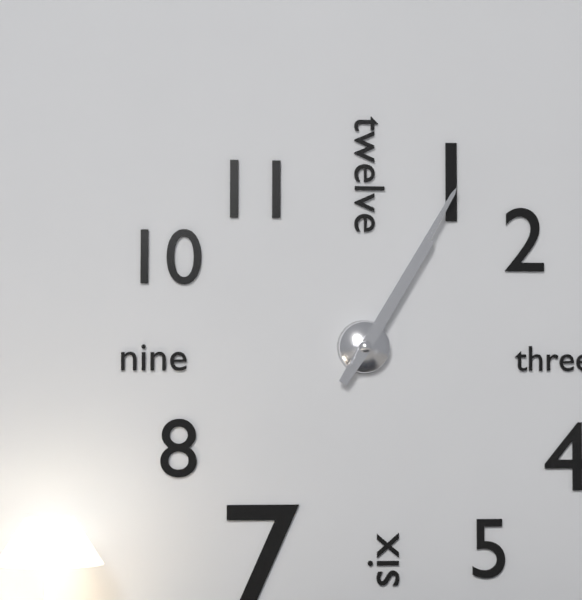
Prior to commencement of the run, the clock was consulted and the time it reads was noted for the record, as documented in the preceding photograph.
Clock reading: 1:05
